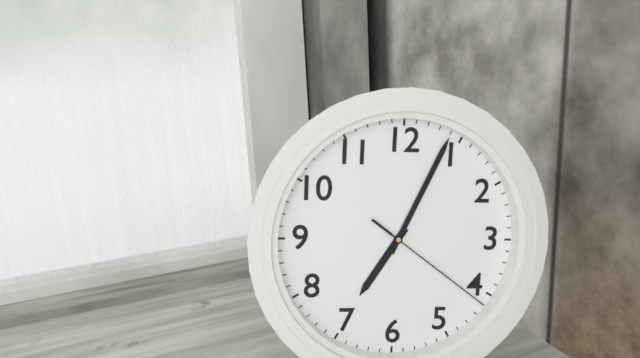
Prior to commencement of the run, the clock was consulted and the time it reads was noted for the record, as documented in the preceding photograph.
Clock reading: 7:04:21
